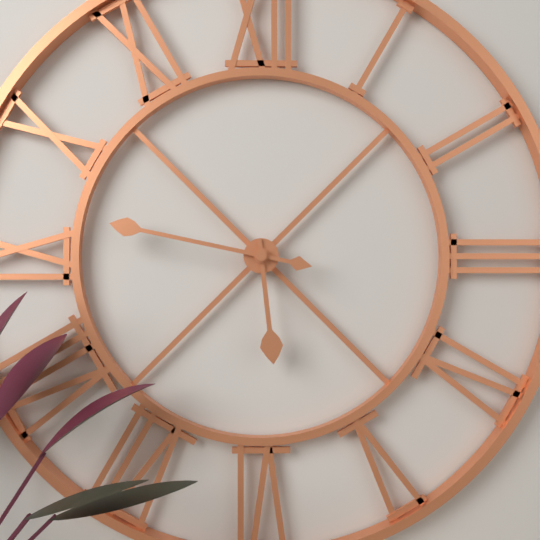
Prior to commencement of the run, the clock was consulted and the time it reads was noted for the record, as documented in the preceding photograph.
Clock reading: 5:47
